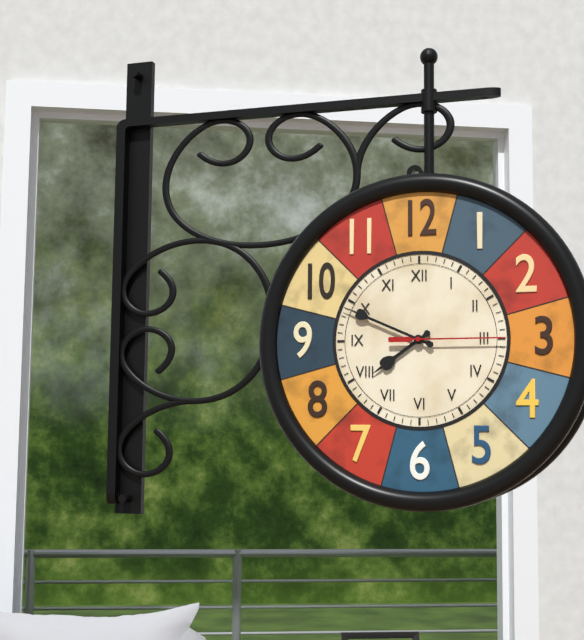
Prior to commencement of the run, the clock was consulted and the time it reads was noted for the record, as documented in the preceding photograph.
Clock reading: 7:49:15
